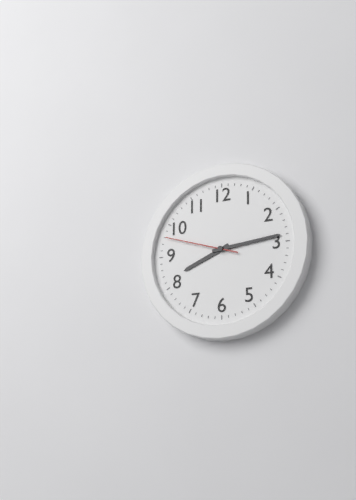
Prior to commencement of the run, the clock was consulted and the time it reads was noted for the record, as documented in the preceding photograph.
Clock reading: 8:14:48
